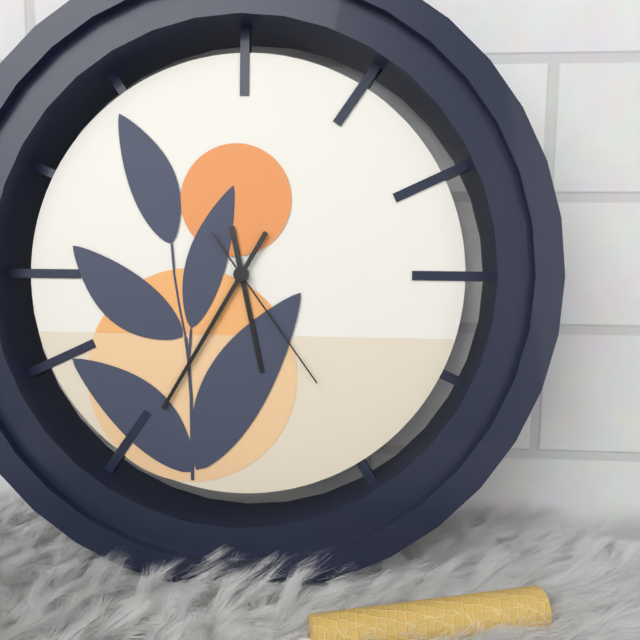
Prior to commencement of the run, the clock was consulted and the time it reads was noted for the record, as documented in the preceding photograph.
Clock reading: 5:35:24
